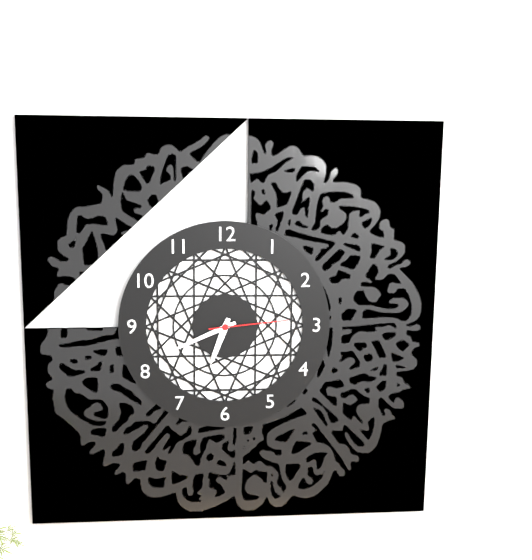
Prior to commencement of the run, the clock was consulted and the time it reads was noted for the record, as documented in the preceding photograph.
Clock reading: 6:41:14
